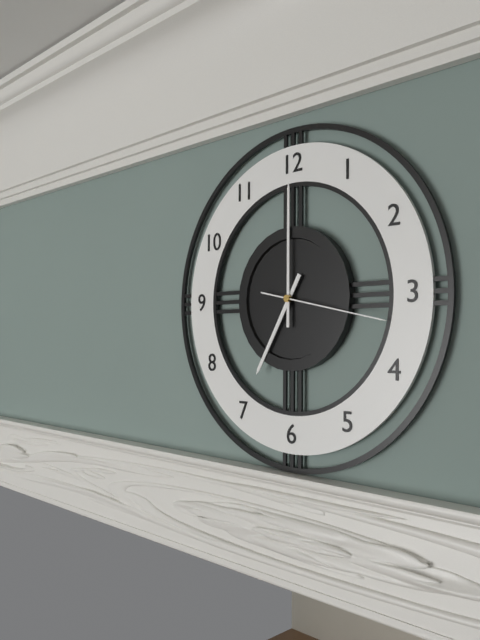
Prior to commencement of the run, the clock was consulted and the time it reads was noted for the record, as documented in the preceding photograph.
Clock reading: 7:00:17
